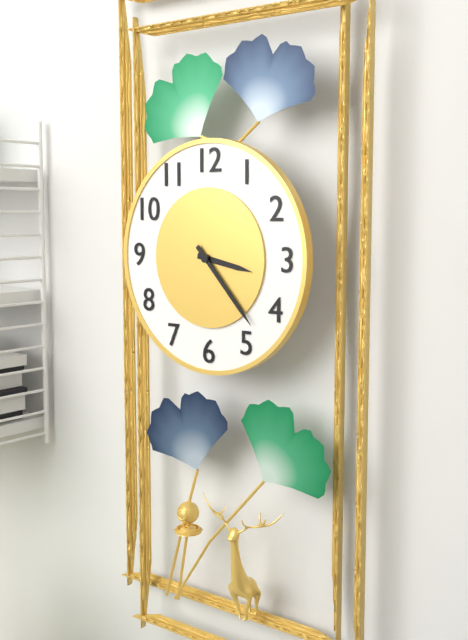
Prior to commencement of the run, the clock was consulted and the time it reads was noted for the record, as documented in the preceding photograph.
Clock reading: 3:23
